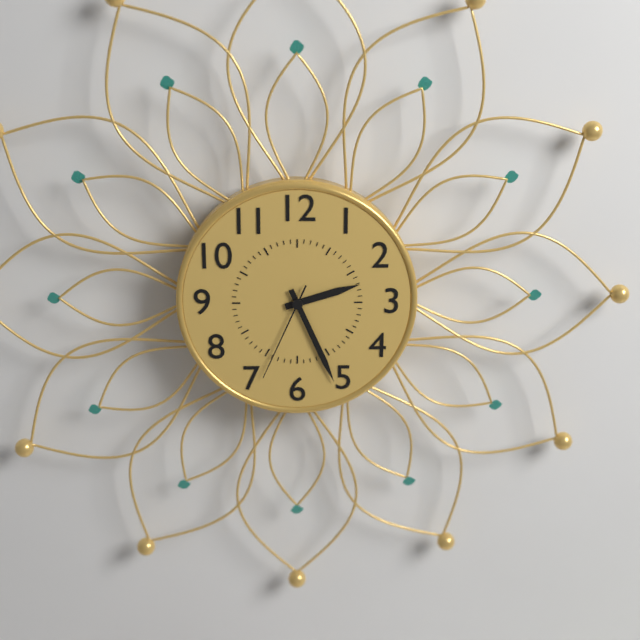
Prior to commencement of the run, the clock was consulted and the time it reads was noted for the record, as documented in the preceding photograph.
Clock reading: 2:26:34
